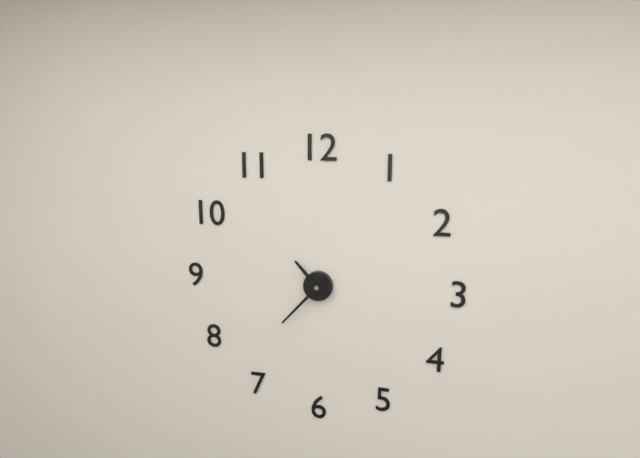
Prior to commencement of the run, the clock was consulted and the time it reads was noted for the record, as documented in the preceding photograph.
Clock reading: 10:37
